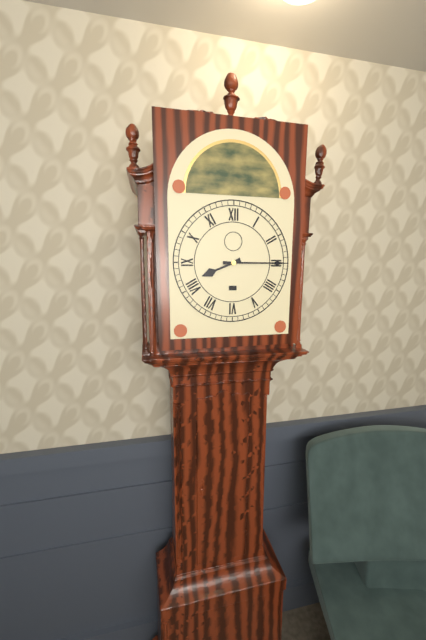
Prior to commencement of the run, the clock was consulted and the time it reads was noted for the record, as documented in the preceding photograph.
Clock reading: 8:15
